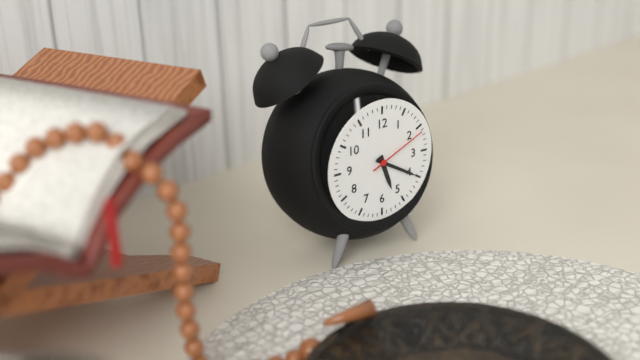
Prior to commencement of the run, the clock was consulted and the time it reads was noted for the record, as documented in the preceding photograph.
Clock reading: 5:20:11
